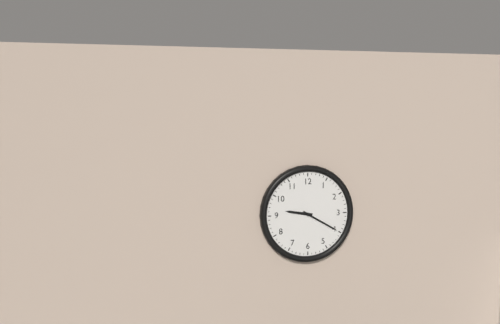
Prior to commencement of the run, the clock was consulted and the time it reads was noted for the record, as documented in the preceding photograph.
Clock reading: 9:20
